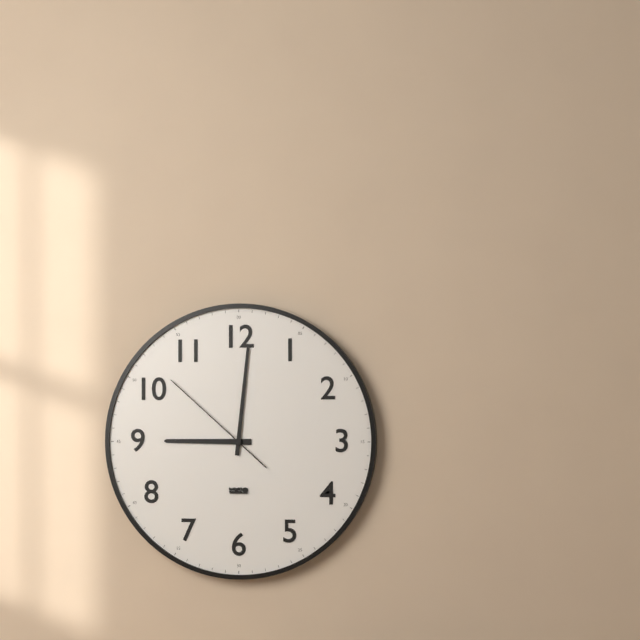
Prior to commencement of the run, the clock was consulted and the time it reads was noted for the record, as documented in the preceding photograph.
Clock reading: 9:01:52
